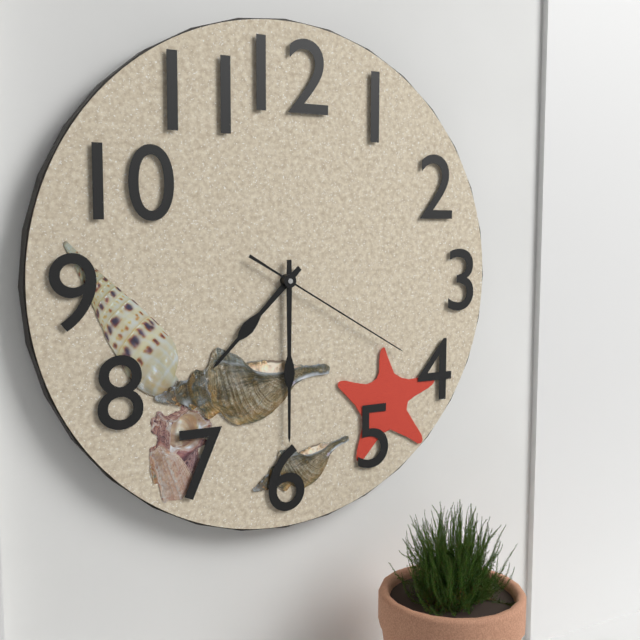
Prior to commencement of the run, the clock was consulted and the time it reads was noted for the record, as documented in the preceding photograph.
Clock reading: 7:30:20
